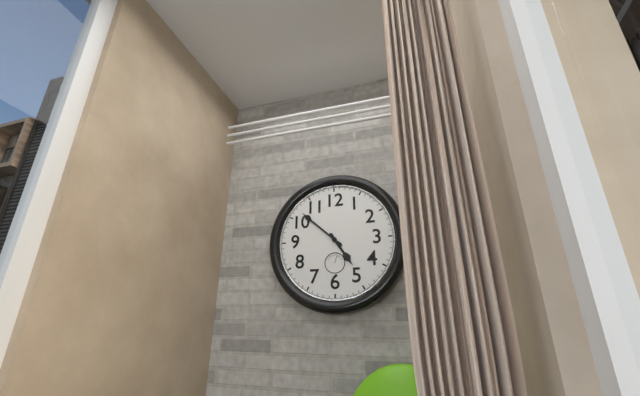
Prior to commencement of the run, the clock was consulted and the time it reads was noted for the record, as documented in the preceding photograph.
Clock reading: 4:52
